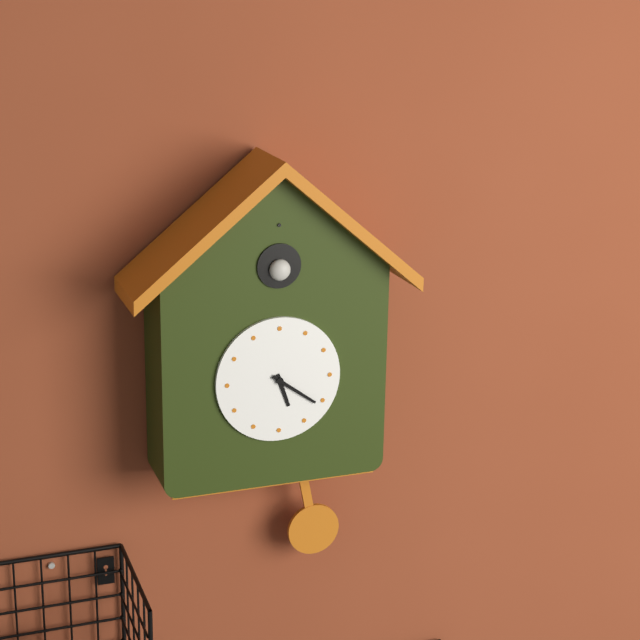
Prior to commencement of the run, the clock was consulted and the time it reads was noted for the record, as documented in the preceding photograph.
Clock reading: 5:21
